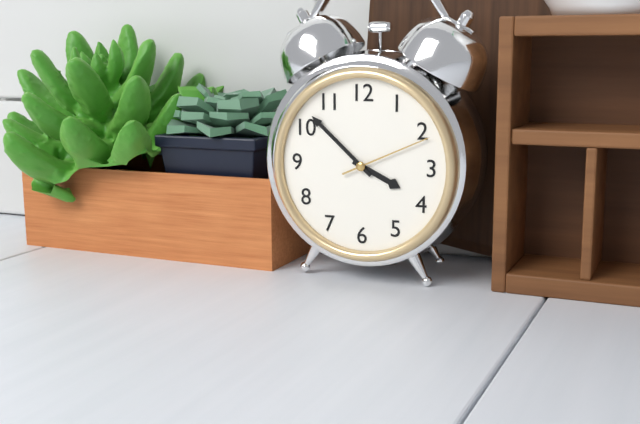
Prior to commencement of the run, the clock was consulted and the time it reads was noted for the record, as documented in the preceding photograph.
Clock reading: 3:52:11
